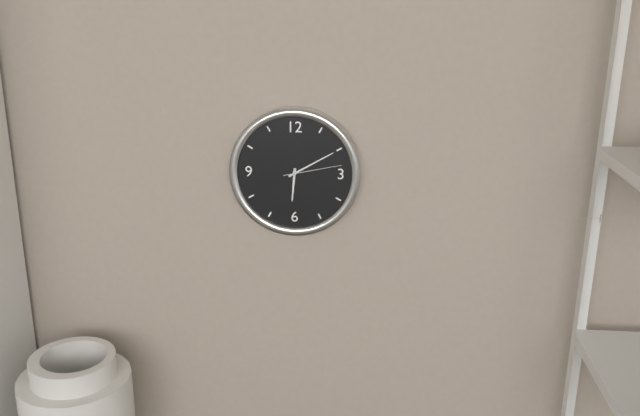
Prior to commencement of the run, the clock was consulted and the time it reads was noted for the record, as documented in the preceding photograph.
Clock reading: 6:10:13
